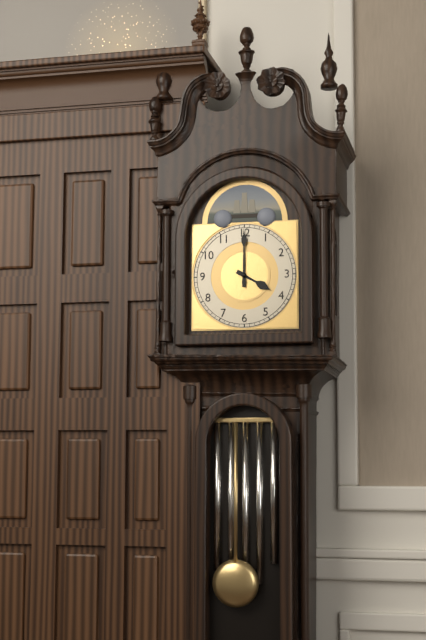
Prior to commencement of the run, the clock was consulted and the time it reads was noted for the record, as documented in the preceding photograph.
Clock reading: 4:00
